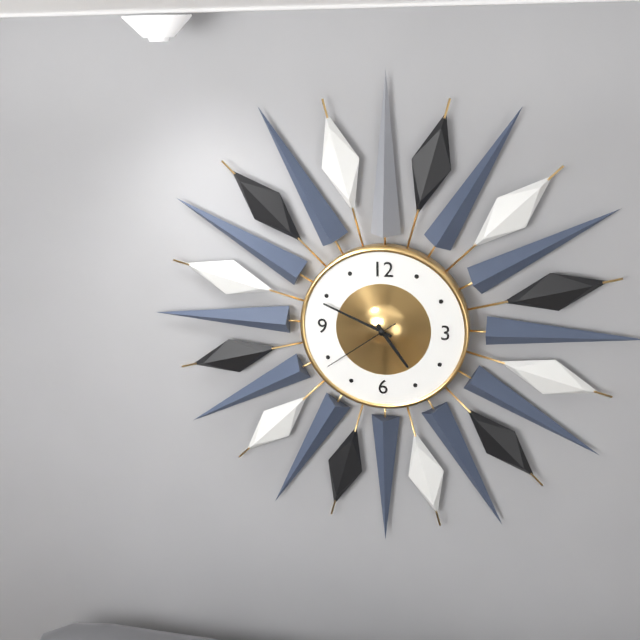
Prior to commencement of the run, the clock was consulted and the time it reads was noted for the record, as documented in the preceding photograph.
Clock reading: 4:49:39
